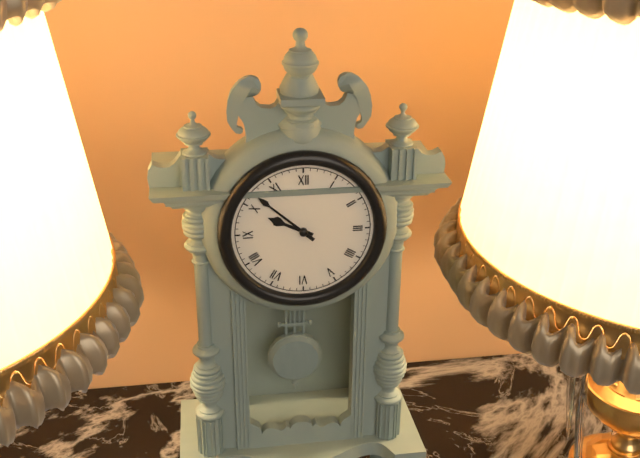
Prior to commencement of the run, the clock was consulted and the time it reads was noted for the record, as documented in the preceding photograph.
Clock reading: 9:52
